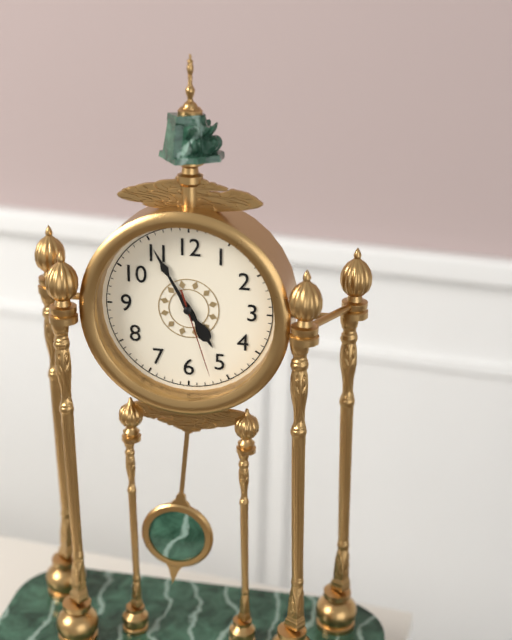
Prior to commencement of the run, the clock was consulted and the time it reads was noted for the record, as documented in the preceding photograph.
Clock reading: 4:55:27
